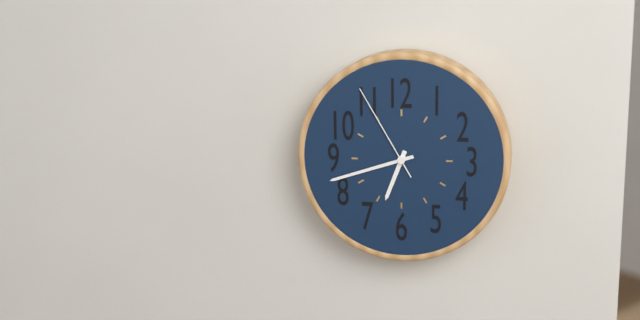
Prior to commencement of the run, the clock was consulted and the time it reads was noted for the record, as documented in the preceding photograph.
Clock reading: 6:42:55
